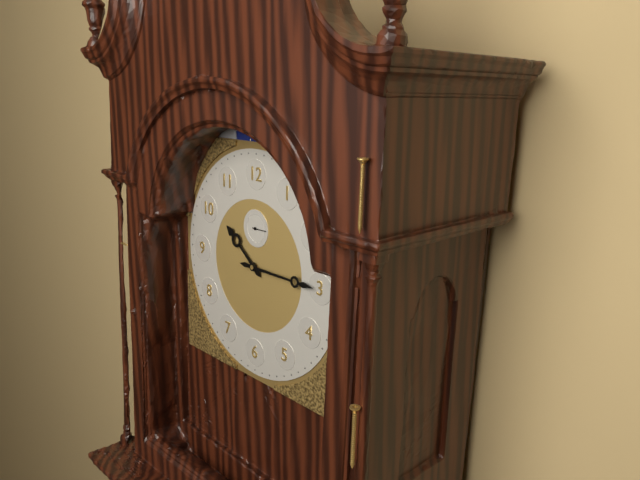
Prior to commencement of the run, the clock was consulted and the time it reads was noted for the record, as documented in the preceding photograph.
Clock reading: 10:15
